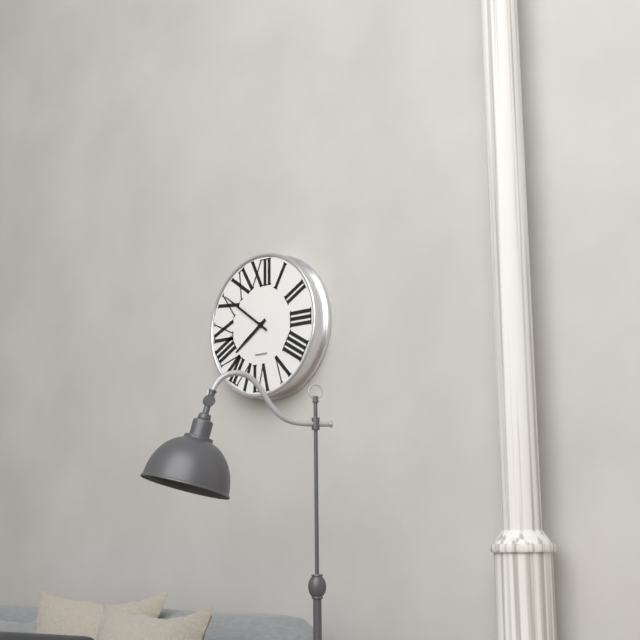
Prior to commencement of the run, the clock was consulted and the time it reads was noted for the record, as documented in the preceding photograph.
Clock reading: 7:51
